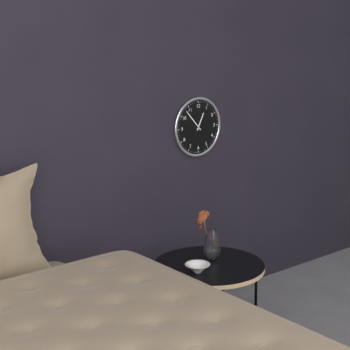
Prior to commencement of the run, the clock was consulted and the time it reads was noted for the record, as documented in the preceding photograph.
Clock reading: 12:53
